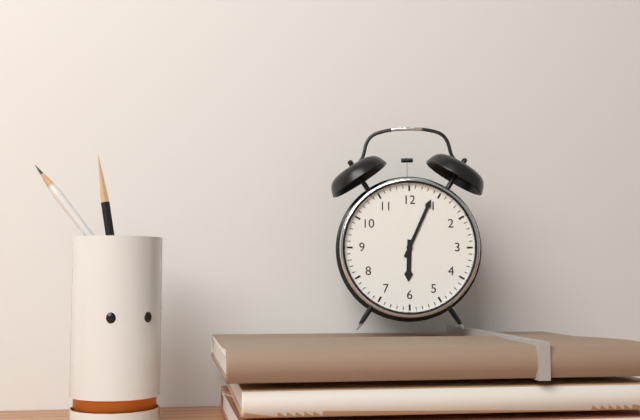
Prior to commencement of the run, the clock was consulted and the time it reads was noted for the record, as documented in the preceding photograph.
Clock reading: 6:04
